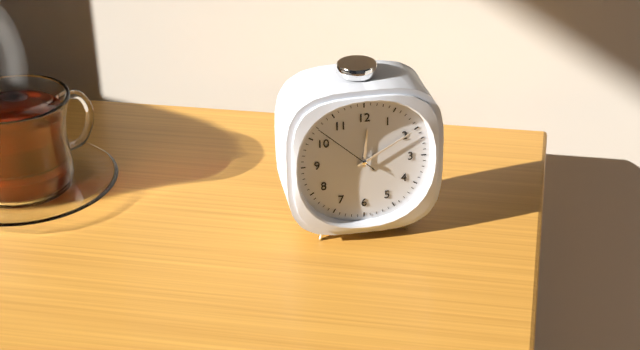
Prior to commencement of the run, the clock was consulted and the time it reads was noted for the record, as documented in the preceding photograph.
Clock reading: 12:10:52
